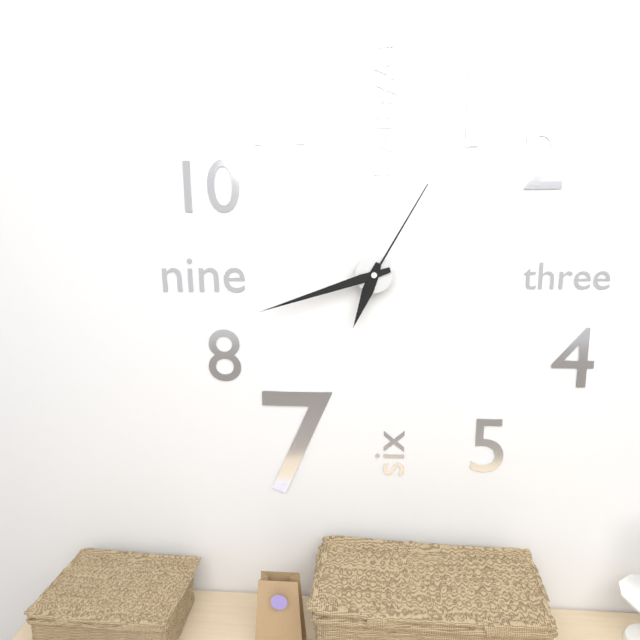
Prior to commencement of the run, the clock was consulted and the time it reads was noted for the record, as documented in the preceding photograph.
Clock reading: 6:42:05
